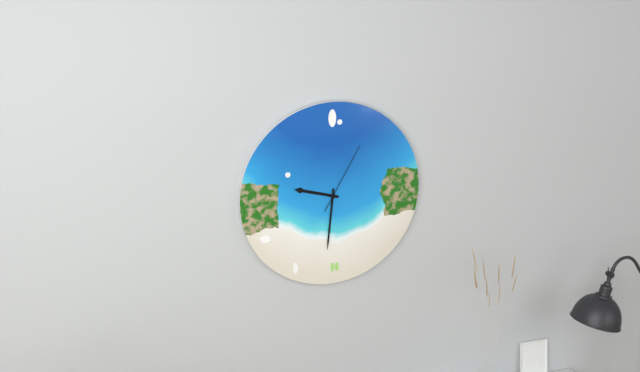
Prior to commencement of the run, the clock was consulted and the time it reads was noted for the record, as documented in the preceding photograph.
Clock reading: 9:31:05
